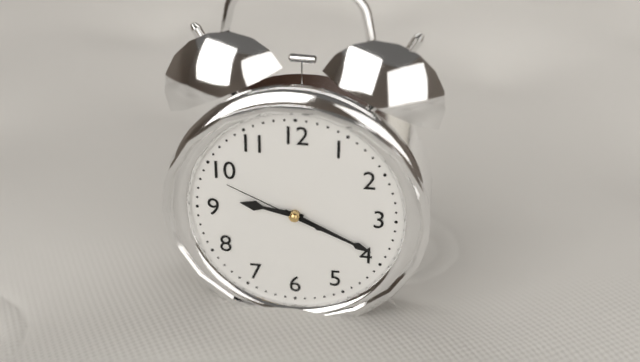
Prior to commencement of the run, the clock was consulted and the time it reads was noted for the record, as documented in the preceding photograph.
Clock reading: 9:19:49
